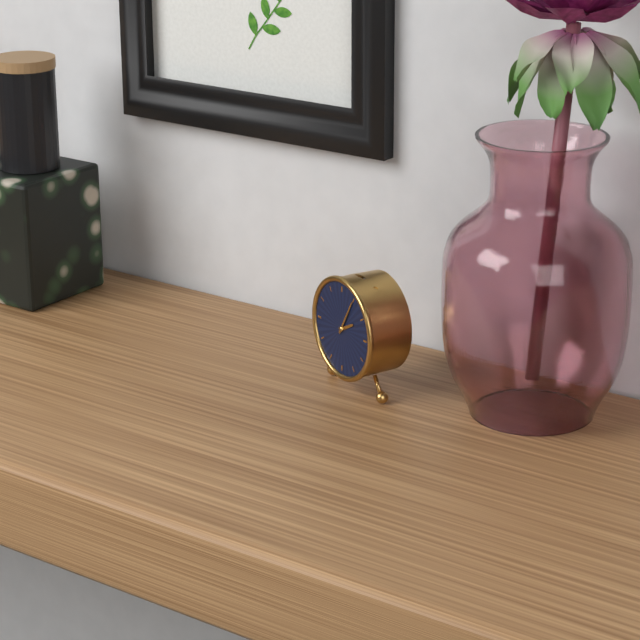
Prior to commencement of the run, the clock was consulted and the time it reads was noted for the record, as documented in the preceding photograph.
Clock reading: 2:05
